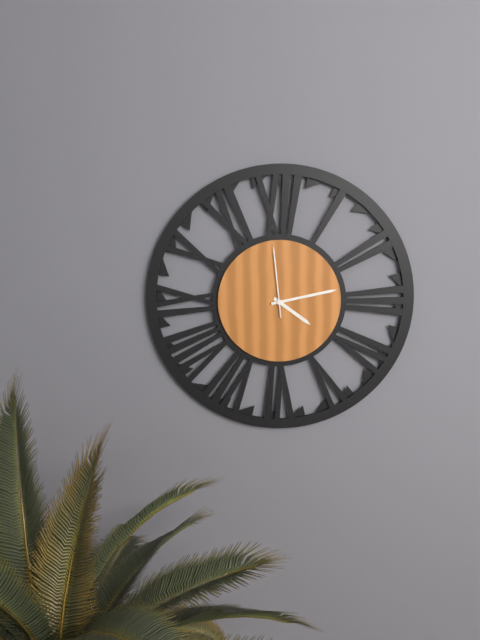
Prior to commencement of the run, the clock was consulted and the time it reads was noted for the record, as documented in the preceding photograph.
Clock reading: 4:13:59
